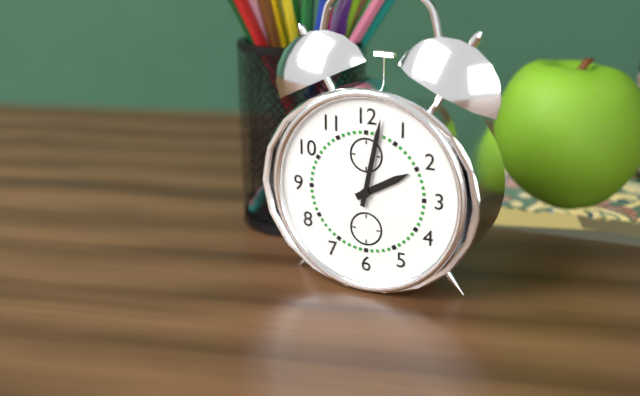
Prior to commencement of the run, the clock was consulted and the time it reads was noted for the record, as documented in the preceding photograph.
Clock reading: 2:02
